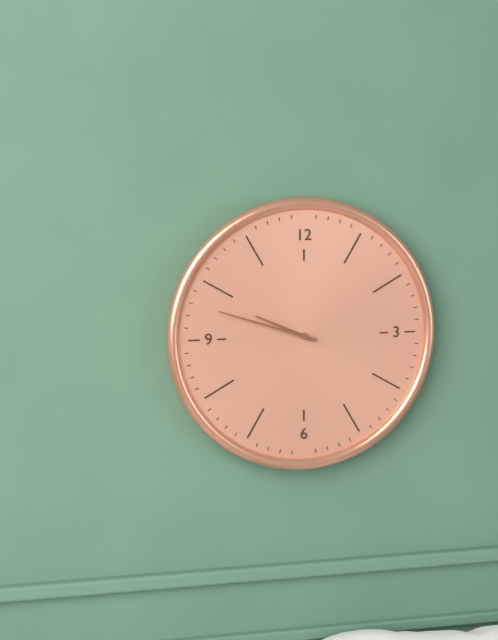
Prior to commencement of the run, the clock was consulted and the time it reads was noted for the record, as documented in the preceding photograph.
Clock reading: 9:48
